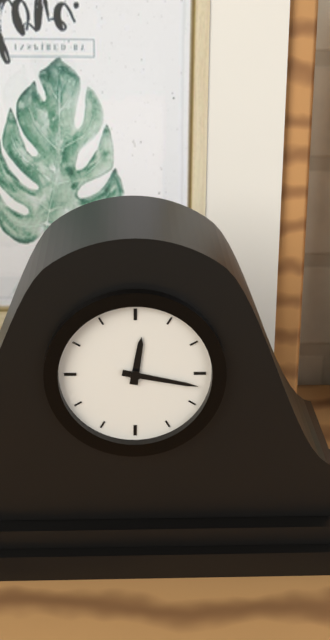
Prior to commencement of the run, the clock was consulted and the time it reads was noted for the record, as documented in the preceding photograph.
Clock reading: 12:17
